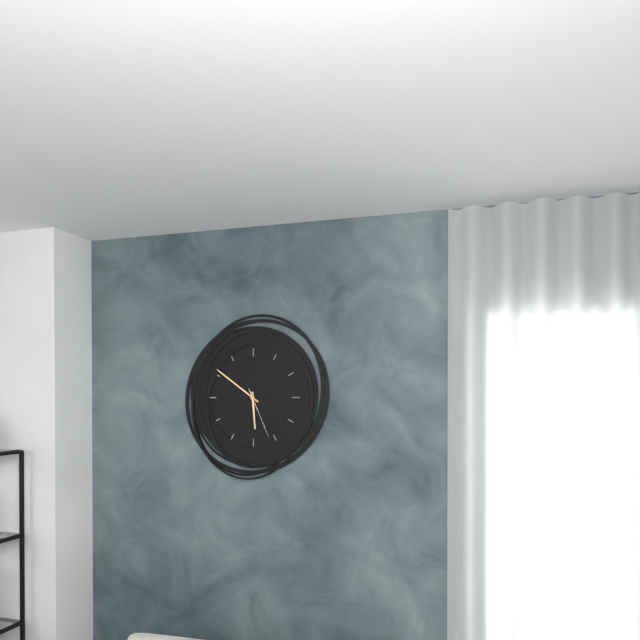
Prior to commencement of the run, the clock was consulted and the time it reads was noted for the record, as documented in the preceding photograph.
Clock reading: 5:51:26
